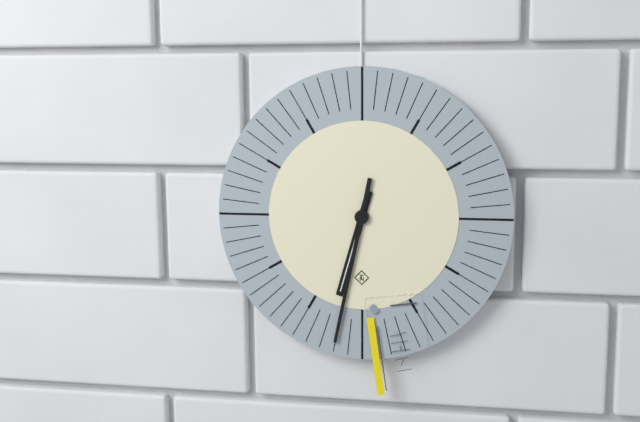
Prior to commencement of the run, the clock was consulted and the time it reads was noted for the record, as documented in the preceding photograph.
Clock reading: 6:32
